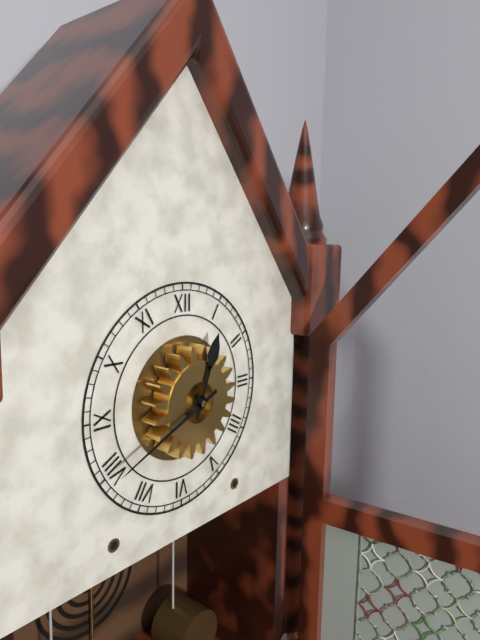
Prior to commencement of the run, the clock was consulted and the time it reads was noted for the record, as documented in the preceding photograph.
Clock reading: 12:41
